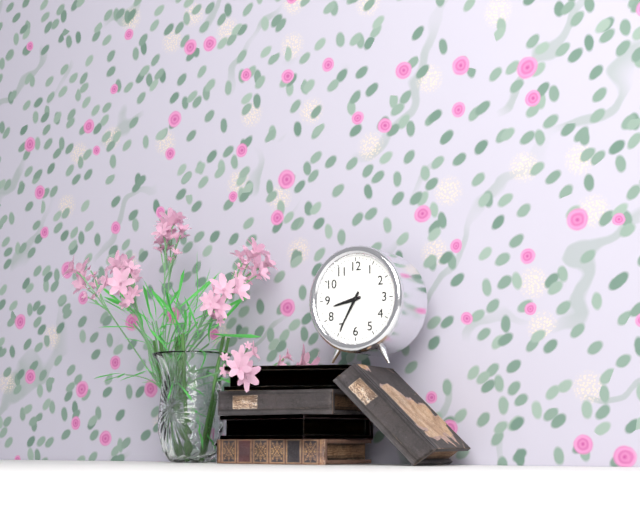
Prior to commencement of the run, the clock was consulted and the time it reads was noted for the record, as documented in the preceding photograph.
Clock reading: 8:35
